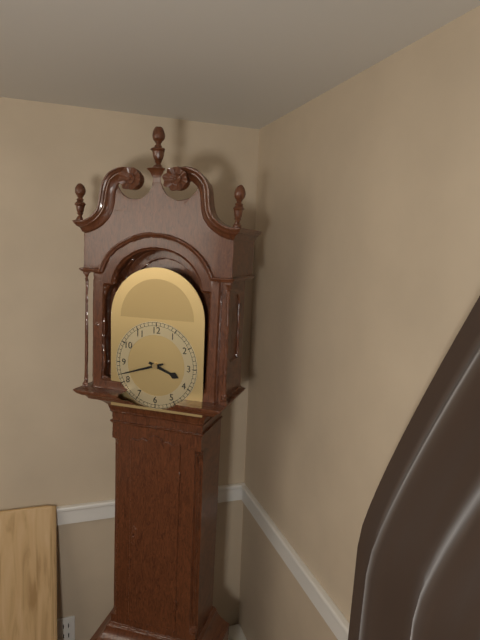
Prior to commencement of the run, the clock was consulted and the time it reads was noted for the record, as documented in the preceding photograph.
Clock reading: 3:42
